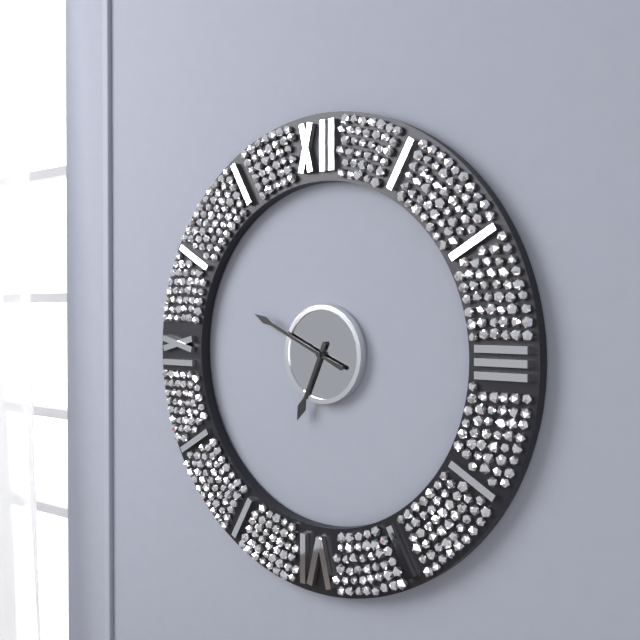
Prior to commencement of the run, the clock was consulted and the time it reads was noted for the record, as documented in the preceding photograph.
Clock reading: 6:49
